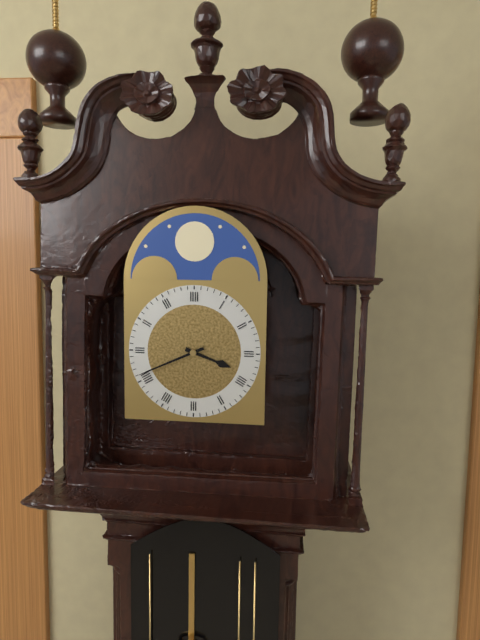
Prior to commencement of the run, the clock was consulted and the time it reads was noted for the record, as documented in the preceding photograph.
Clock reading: 3:41
